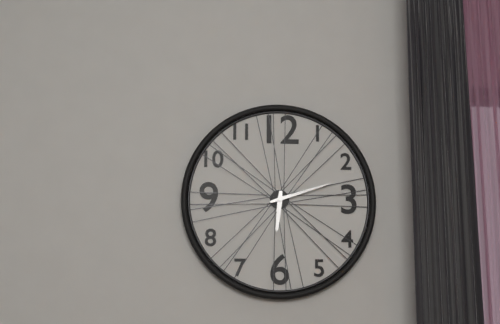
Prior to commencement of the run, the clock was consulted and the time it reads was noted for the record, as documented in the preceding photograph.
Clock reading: 6:12
